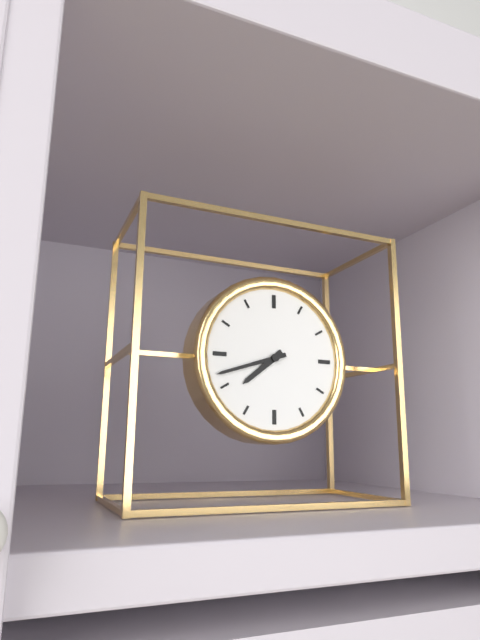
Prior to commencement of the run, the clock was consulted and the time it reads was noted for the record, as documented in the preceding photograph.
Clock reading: 7:42
